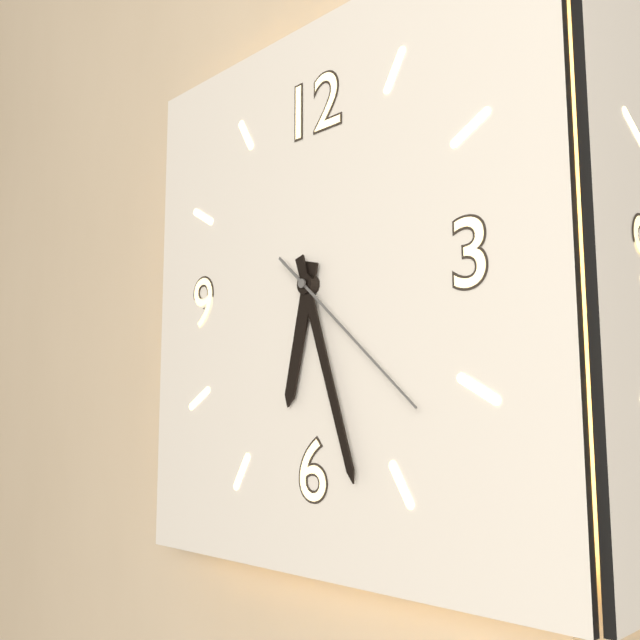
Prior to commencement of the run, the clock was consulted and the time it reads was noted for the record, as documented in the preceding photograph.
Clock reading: 6:27:22
